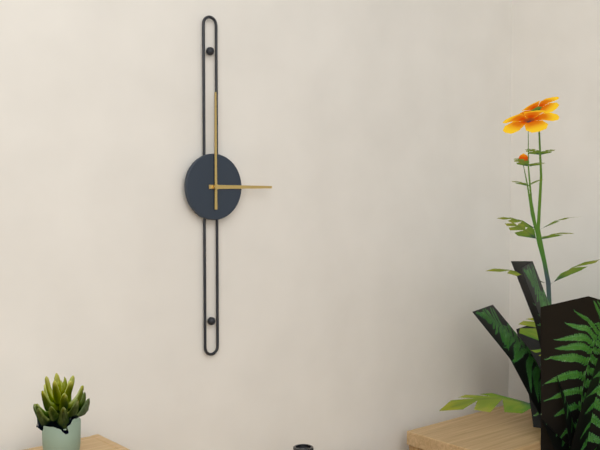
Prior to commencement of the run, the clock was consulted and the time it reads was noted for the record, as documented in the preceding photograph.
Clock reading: 3:00
